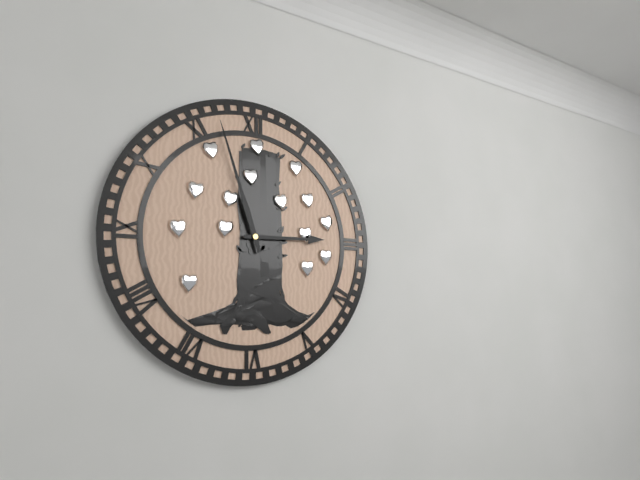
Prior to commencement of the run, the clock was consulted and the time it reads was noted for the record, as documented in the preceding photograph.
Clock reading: 2:57
